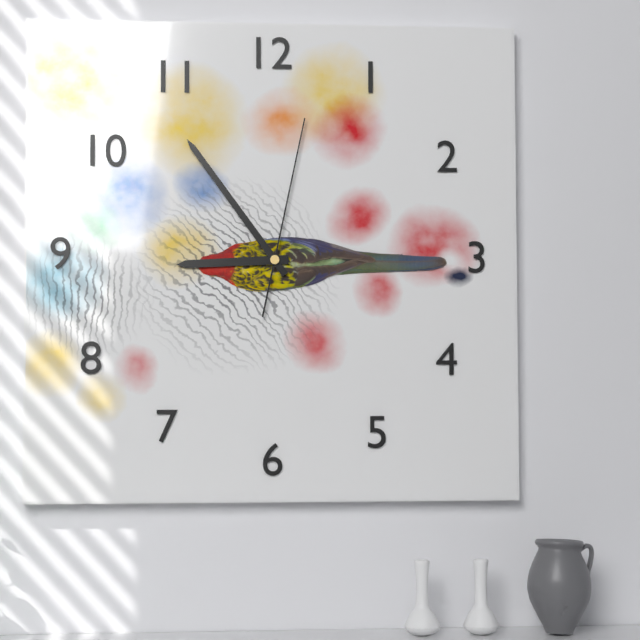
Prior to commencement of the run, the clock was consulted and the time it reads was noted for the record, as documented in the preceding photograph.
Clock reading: 8:54:02
